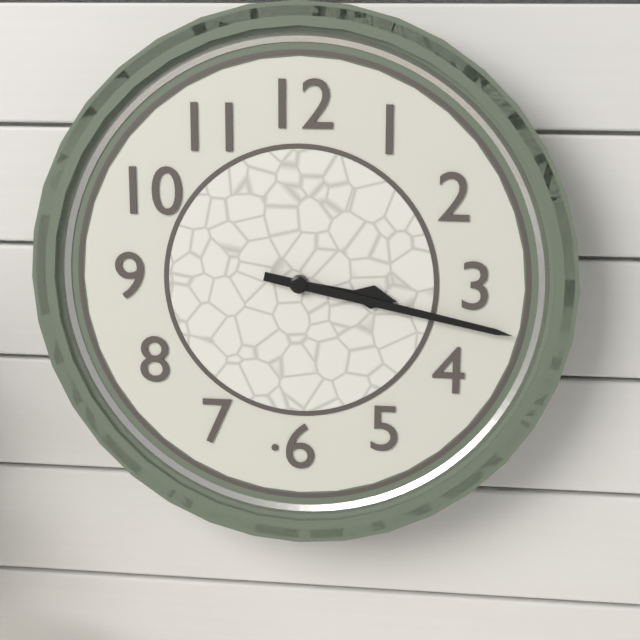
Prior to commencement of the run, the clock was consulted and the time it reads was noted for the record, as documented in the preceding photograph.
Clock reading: 3:17
